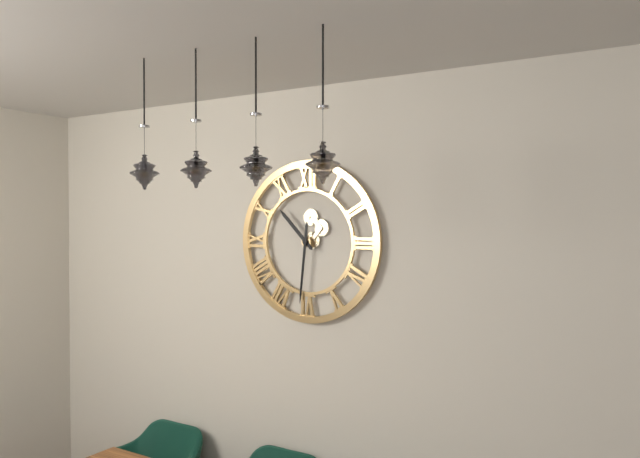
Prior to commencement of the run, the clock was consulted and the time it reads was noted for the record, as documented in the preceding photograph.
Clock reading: 10:31
